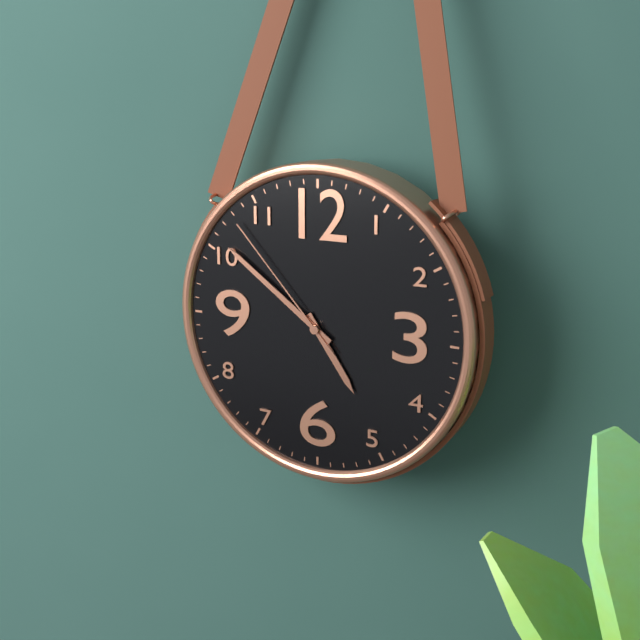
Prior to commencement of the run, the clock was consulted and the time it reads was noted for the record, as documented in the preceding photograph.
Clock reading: 4:51:53
